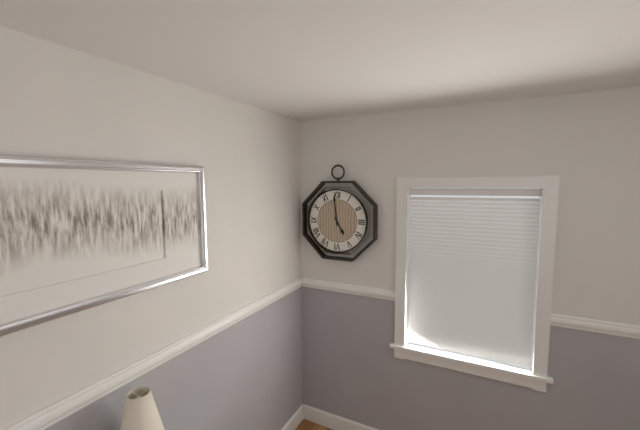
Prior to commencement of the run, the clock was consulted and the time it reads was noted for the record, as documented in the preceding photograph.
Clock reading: 4:59
